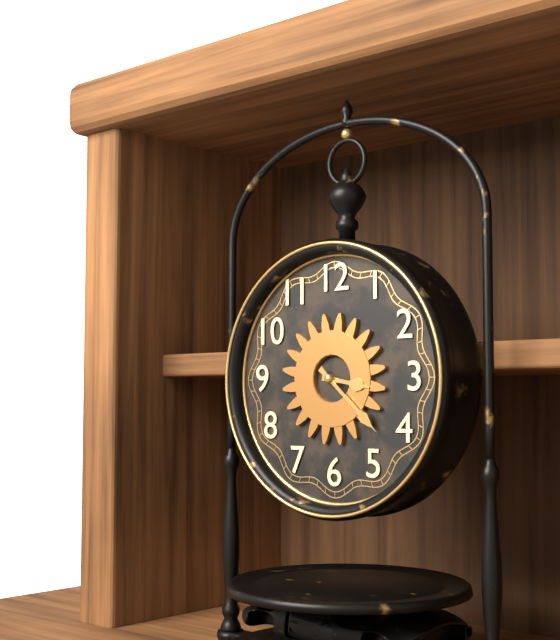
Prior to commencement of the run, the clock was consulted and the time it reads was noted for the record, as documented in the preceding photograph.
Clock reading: 3:22
